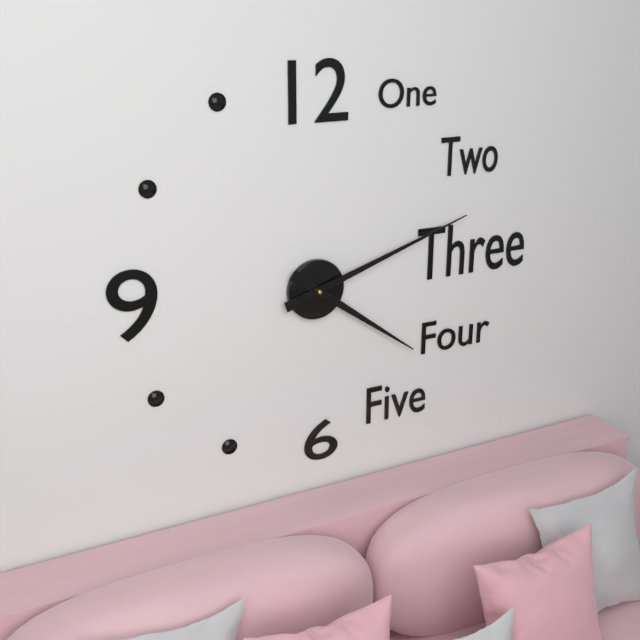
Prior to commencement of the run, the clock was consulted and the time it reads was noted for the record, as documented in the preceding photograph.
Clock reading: 4:12
